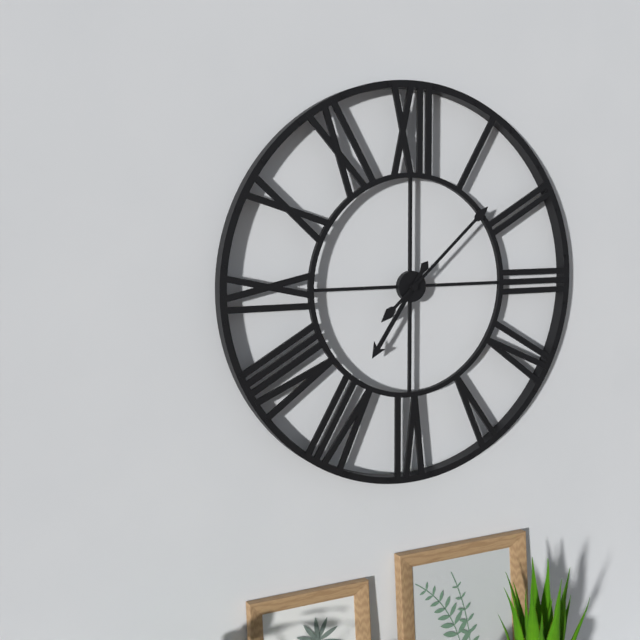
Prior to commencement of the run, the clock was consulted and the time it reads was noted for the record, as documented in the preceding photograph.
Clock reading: 7:08
